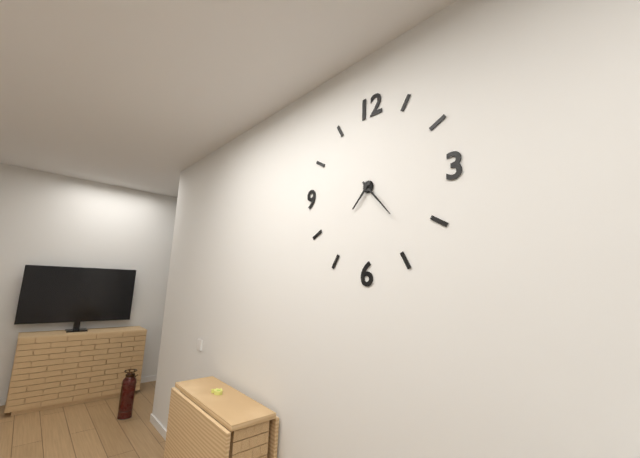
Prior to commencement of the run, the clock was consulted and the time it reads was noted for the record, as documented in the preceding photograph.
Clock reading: 7:23
